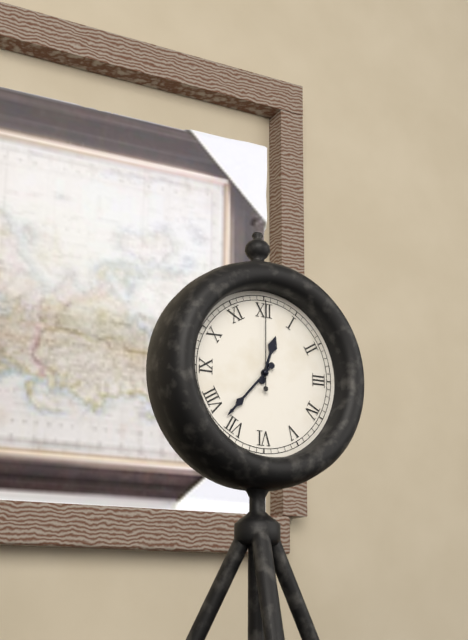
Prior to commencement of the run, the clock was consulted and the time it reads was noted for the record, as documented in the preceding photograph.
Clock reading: 12:37:00
